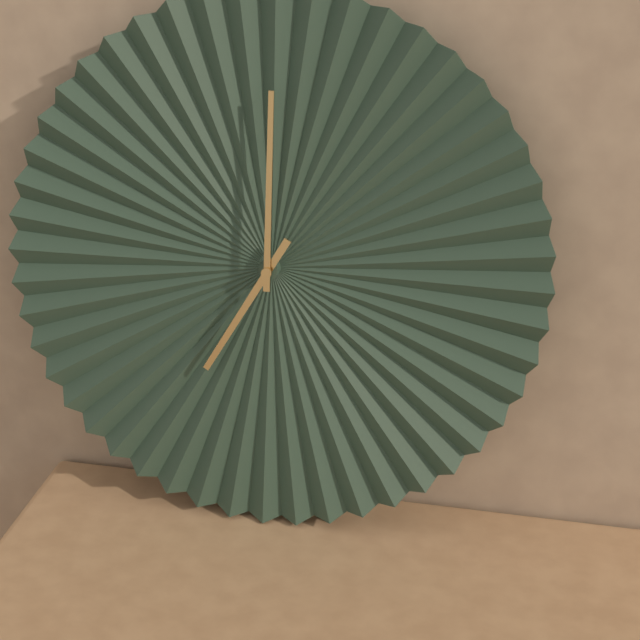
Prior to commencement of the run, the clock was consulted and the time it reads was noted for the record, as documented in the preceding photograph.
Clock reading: 7:00
